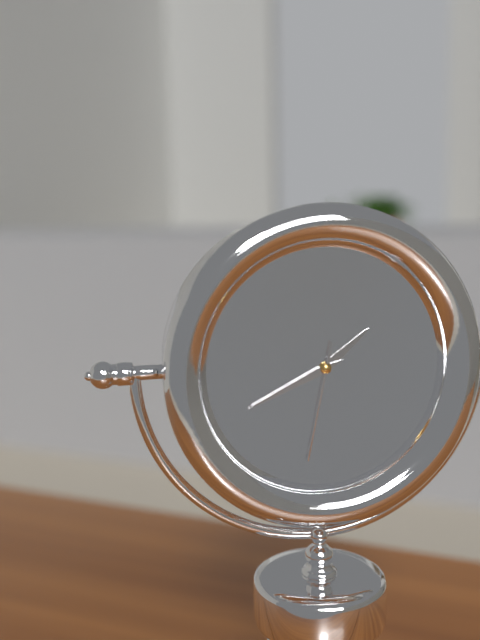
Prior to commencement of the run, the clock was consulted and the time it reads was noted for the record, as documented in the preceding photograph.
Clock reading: 1:41:32
